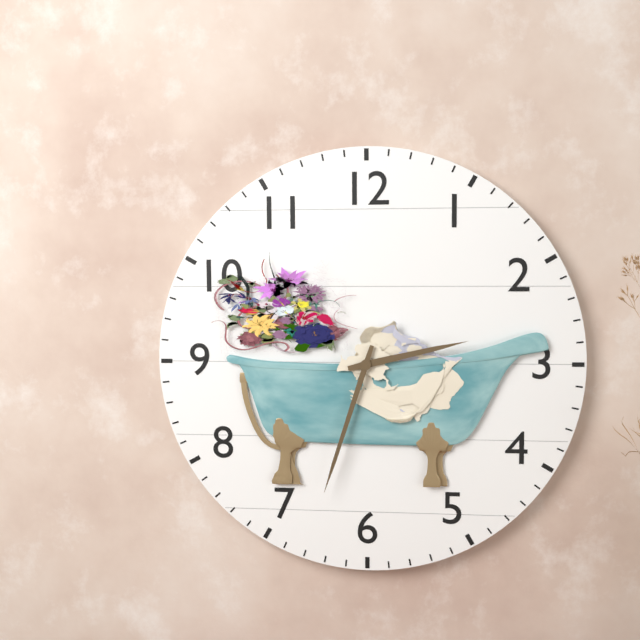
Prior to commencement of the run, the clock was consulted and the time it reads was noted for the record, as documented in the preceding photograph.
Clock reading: 2:33
